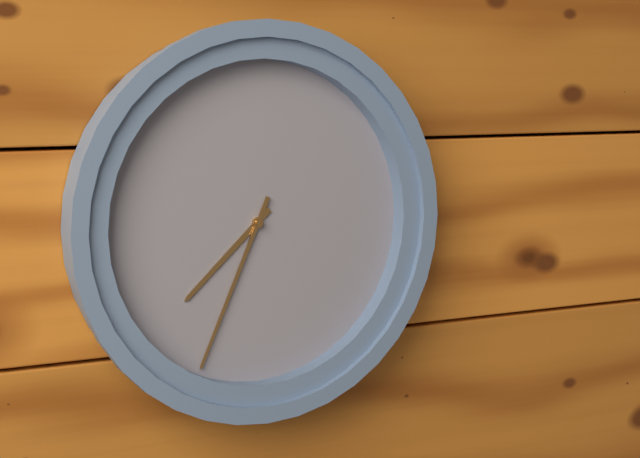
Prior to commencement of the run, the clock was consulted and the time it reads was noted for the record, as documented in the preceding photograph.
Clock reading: 7:34
